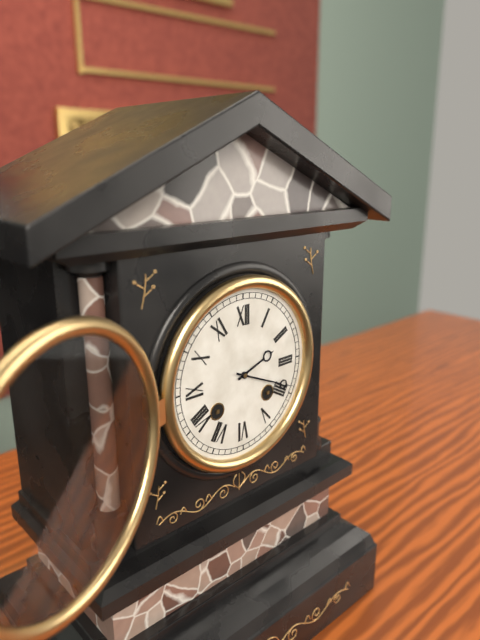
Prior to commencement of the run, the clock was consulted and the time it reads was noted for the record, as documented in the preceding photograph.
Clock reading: 2:19
